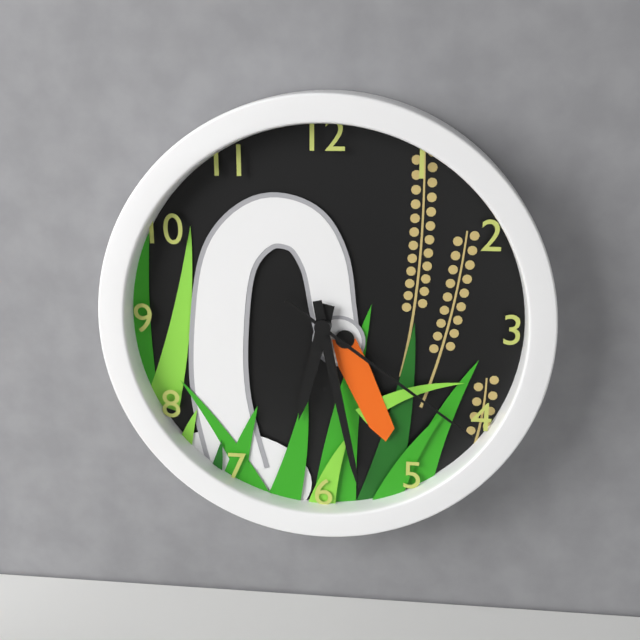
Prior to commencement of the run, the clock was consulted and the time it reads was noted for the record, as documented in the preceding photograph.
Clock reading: 6:28:21
